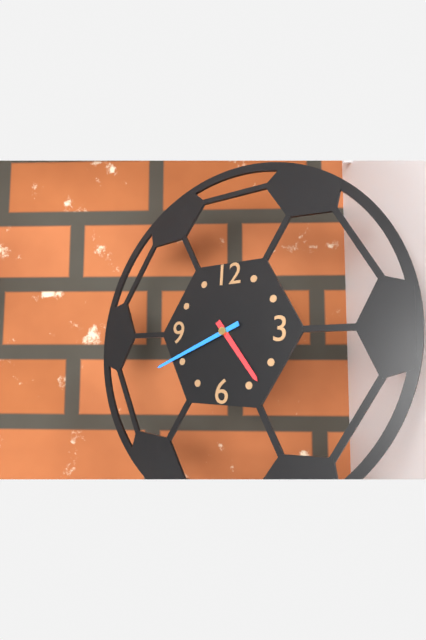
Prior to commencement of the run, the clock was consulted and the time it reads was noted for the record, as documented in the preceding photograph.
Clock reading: 4:41
